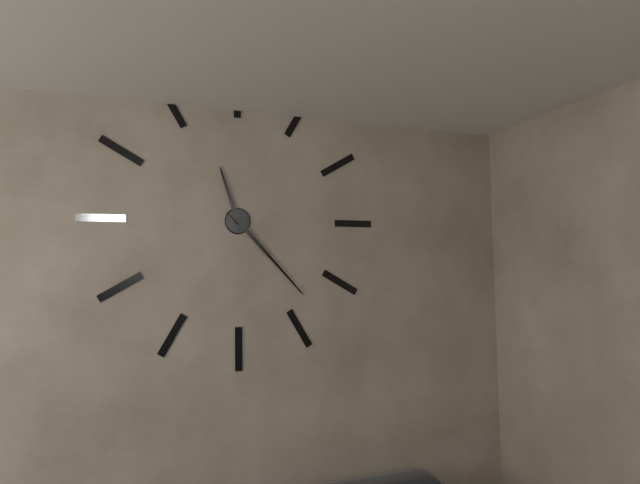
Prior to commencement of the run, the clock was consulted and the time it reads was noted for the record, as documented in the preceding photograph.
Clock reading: 11:23
